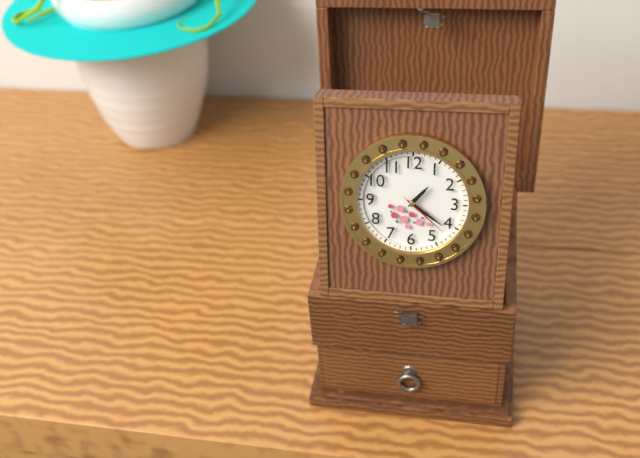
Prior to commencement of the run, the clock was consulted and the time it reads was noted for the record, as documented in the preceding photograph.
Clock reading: 1:21:22
